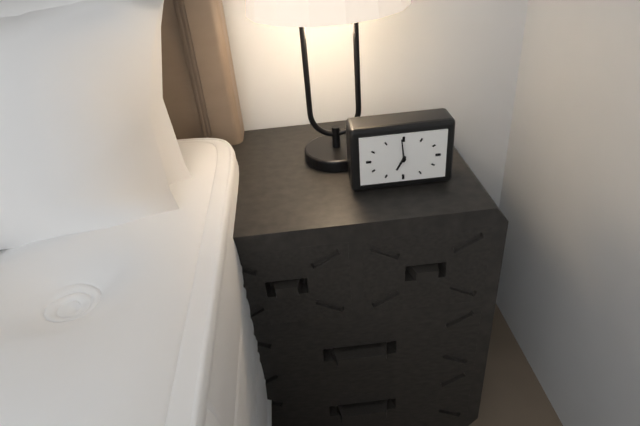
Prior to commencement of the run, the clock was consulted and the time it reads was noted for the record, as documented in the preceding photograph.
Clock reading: 6:59
